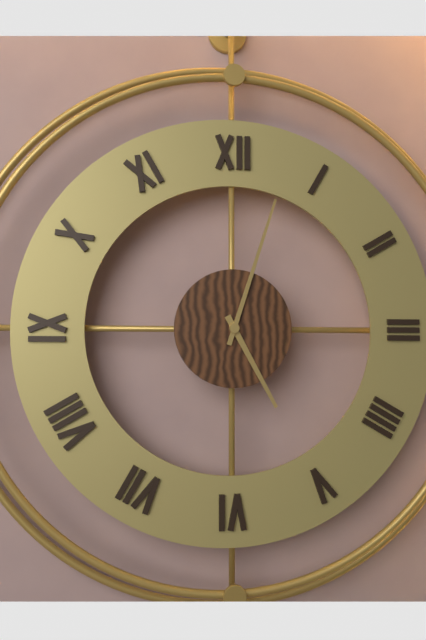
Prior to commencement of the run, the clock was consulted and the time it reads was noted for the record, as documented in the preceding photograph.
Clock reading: 5:03
